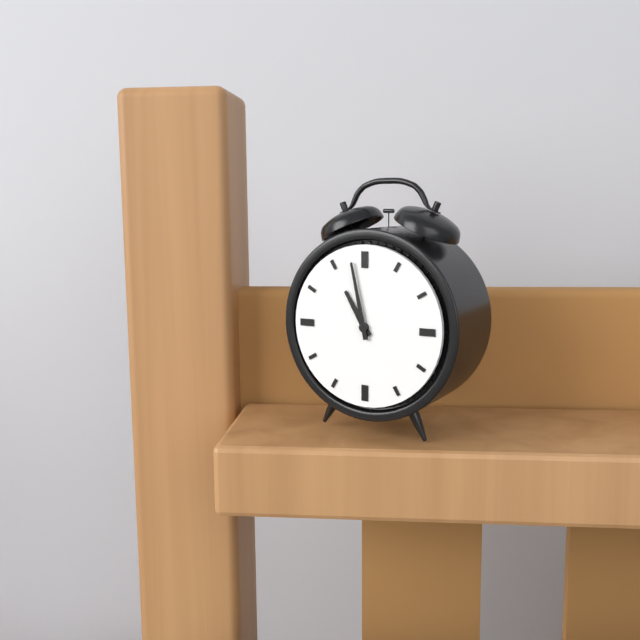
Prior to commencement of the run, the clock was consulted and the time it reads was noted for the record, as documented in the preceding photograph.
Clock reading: 10:58
